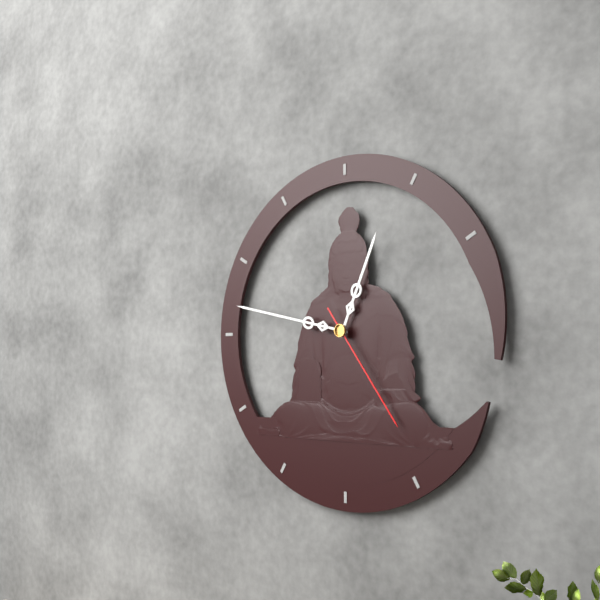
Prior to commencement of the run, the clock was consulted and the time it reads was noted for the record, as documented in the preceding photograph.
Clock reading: 12:47:24
